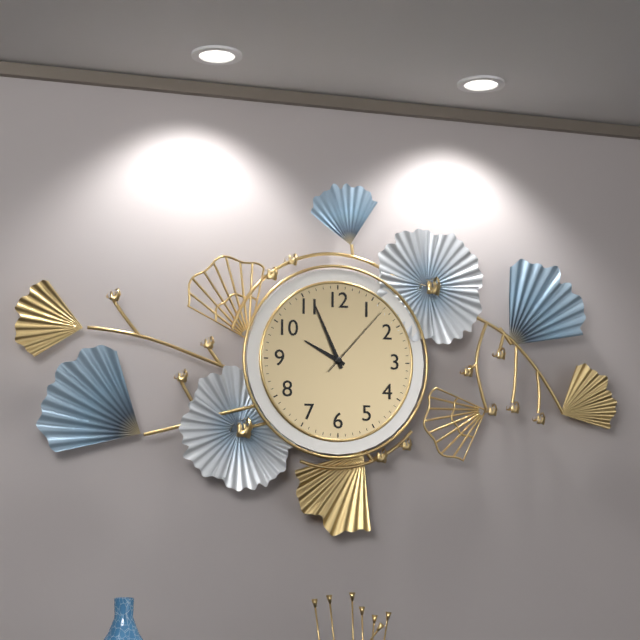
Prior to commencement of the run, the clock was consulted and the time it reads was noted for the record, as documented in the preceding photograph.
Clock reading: 9:56:07
